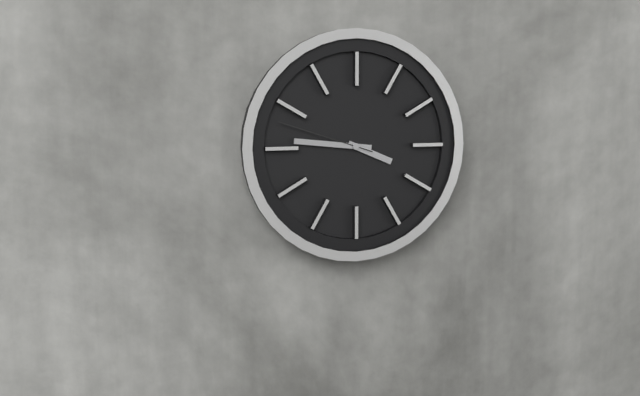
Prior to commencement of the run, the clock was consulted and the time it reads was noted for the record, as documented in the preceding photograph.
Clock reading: 3:46:48
